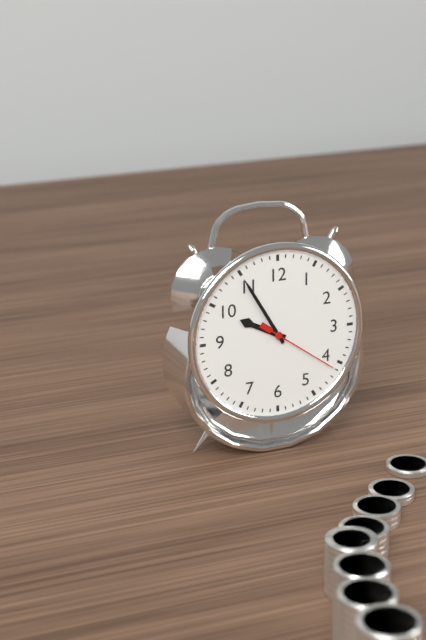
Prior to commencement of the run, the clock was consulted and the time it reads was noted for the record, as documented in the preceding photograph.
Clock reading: 9:55:21
